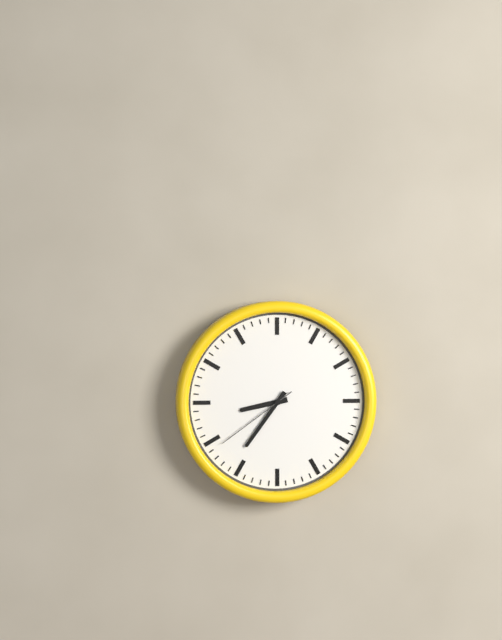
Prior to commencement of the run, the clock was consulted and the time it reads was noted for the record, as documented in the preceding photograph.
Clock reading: 8:36:39
